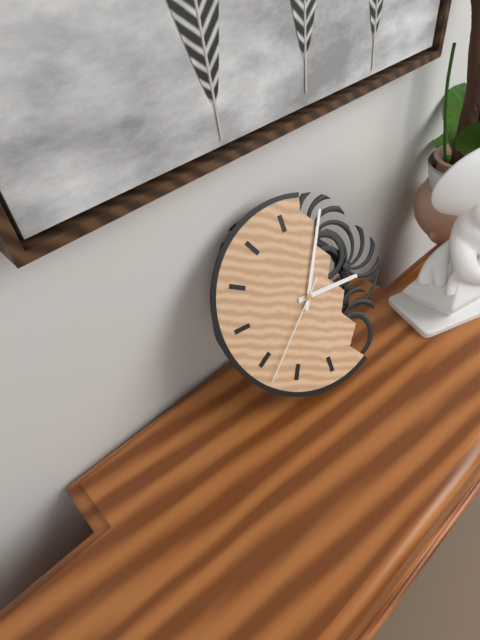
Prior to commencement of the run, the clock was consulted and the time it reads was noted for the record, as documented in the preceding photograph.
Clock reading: 3:05:38
